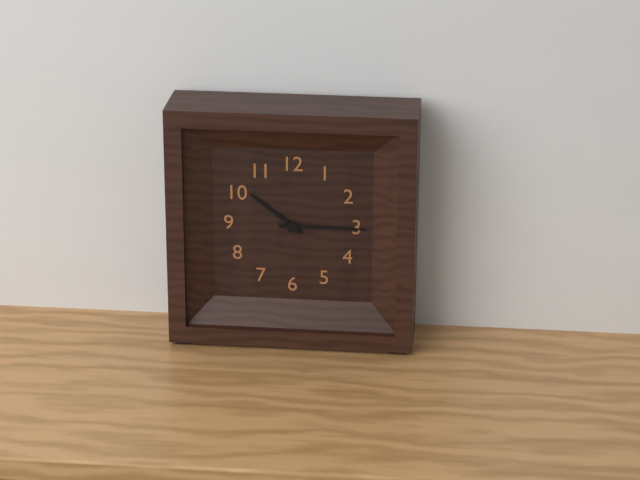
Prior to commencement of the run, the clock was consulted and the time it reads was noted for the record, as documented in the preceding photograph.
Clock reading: 10:15
